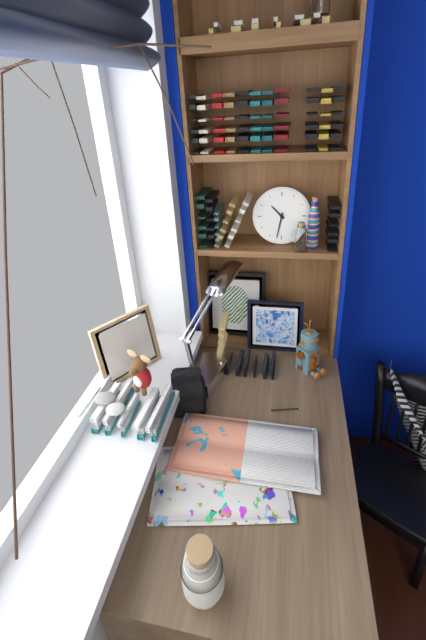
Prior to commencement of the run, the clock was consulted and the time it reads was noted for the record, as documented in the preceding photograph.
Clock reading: 10:32
